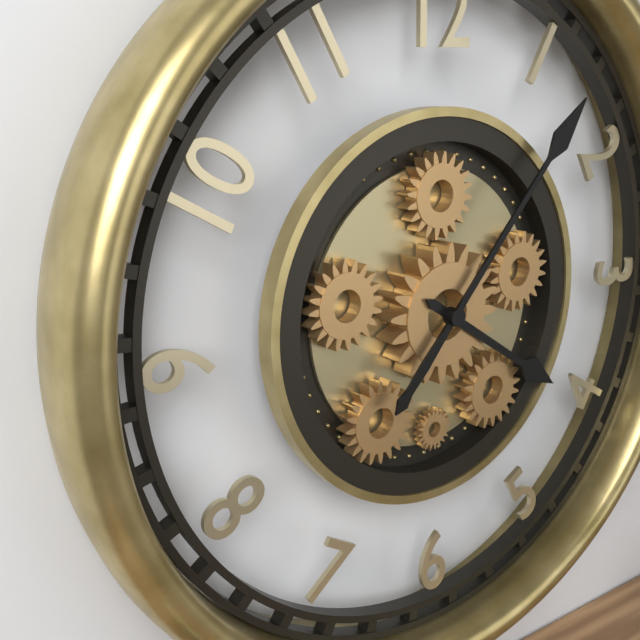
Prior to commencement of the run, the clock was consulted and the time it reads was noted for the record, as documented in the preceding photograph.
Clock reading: 4:07
